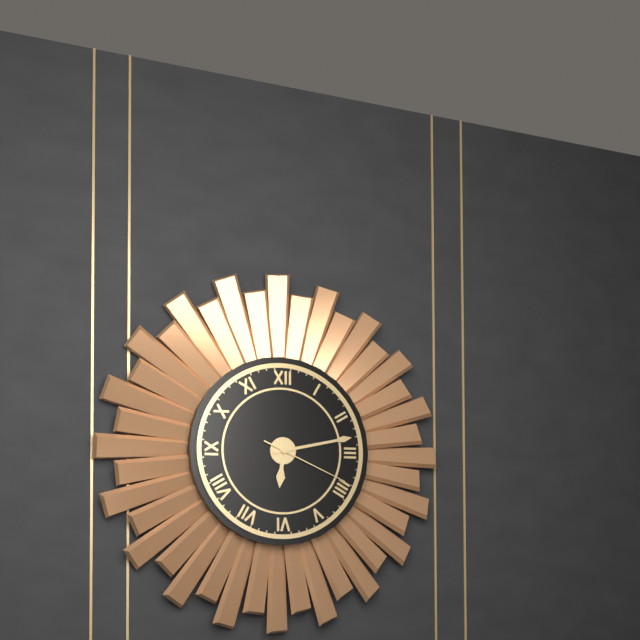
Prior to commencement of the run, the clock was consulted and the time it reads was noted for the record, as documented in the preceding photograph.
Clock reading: 6:13:19
